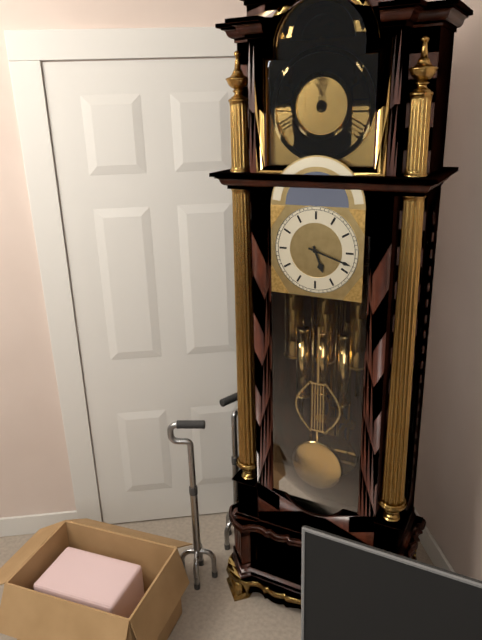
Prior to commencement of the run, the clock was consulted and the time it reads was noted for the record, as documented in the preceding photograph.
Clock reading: 5:18
